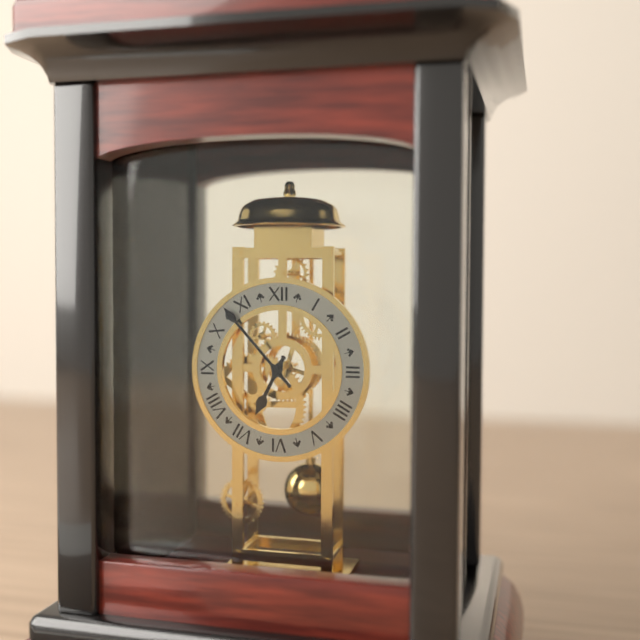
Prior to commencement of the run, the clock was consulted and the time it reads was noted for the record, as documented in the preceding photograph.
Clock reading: 6:53
